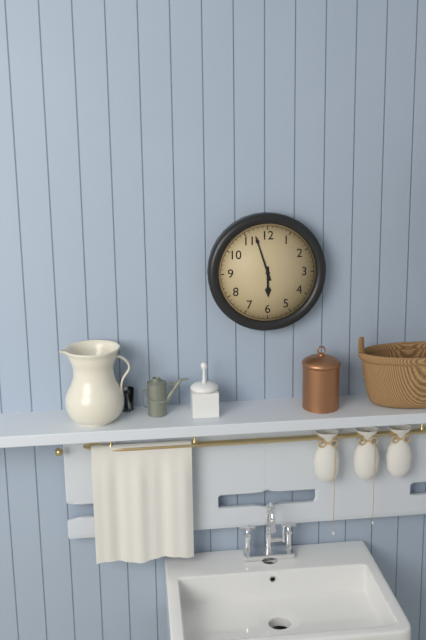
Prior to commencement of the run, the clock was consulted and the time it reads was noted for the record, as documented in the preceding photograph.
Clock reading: 5:57
